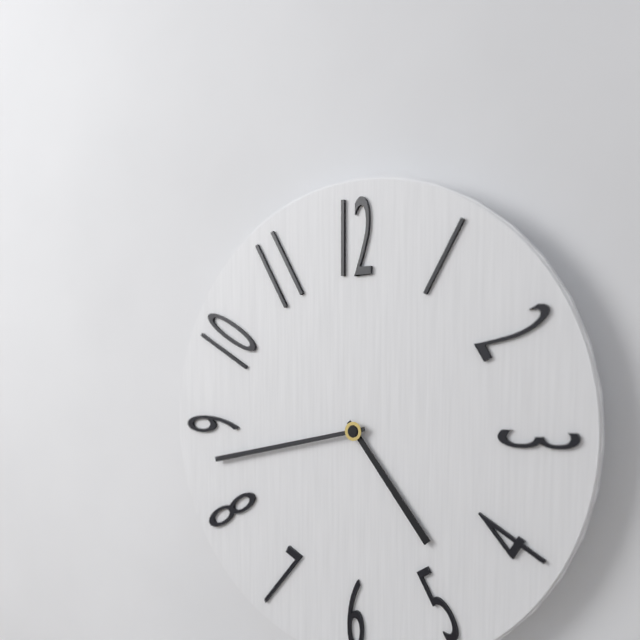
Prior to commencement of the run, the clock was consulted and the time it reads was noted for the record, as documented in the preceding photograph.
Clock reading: 4:43
